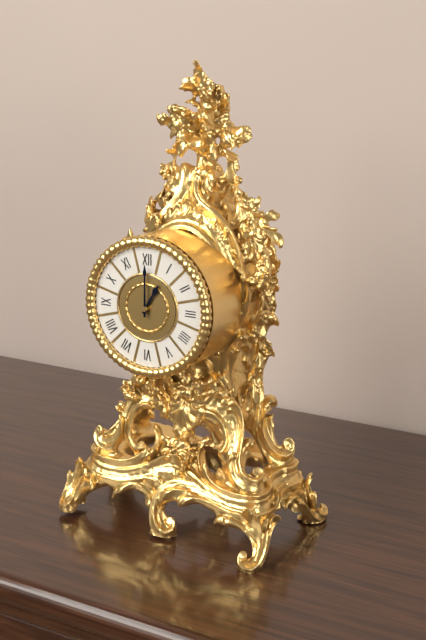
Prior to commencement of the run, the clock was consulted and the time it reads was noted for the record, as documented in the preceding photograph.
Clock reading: 1:00
